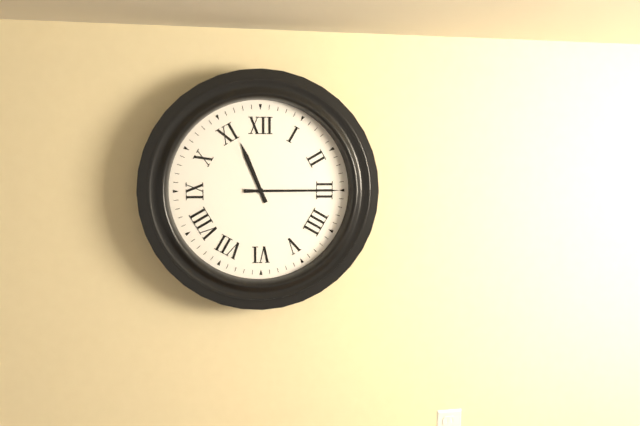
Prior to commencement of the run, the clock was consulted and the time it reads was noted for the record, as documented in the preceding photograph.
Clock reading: 11:15
